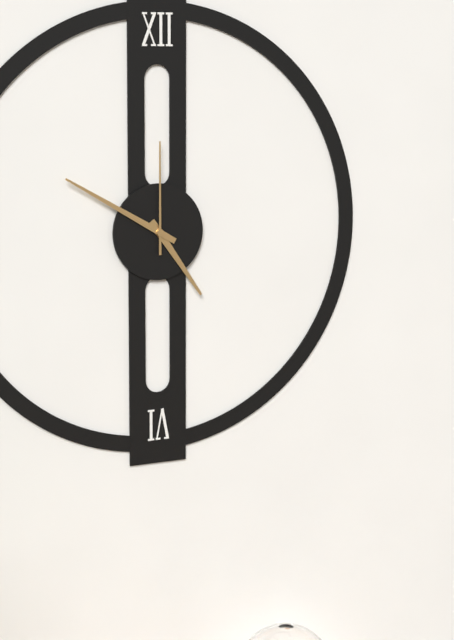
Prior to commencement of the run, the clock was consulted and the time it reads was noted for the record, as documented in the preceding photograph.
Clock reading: 4:50:00
